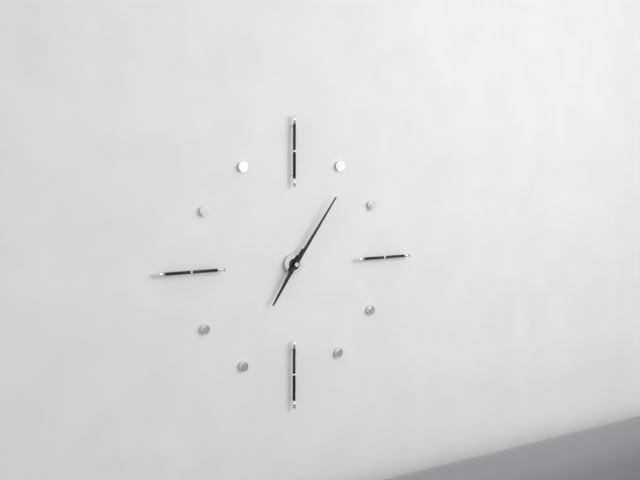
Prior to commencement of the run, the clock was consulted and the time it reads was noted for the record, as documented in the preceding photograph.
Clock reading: 7:06
